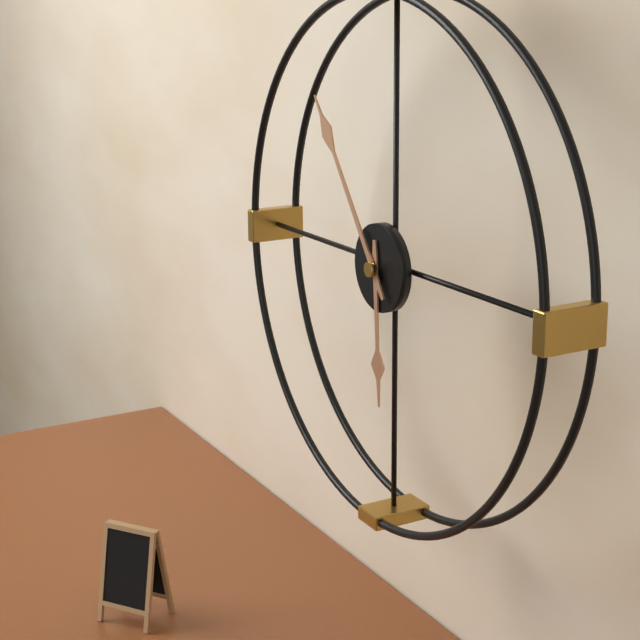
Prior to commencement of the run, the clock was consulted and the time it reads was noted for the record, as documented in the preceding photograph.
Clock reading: 5:54
